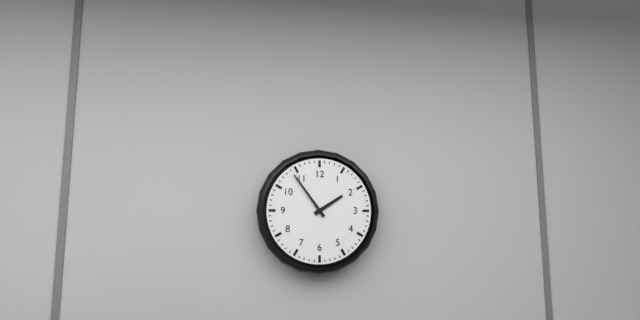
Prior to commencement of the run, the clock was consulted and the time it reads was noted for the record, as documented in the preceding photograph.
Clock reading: 1:54
